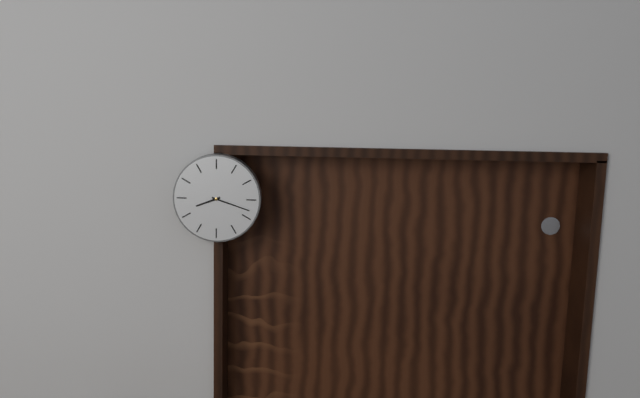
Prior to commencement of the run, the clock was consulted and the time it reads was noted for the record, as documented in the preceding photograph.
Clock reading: 8:18
